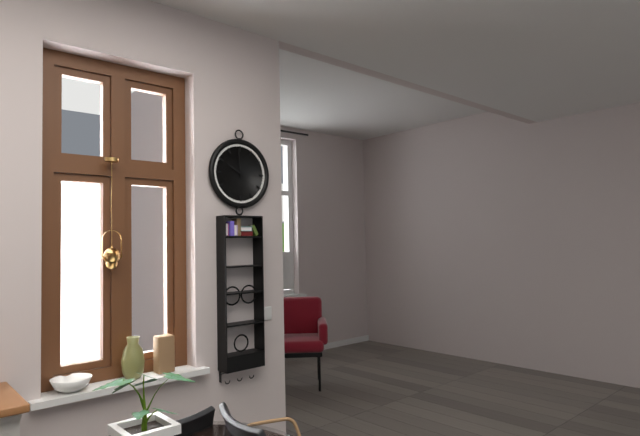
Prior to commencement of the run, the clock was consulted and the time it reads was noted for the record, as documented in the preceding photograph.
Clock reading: 9:59
